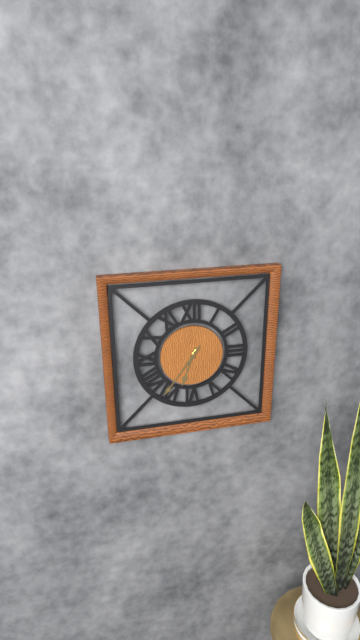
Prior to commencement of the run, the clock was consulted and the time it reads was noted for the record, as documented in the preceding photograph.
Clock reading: 6:36
